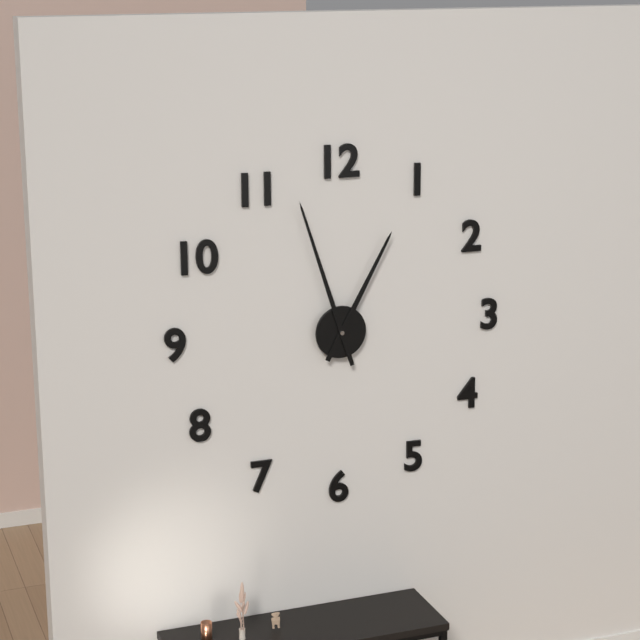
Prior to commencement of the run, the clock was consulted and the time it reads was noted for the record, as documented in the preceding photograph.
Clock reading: 12:57
